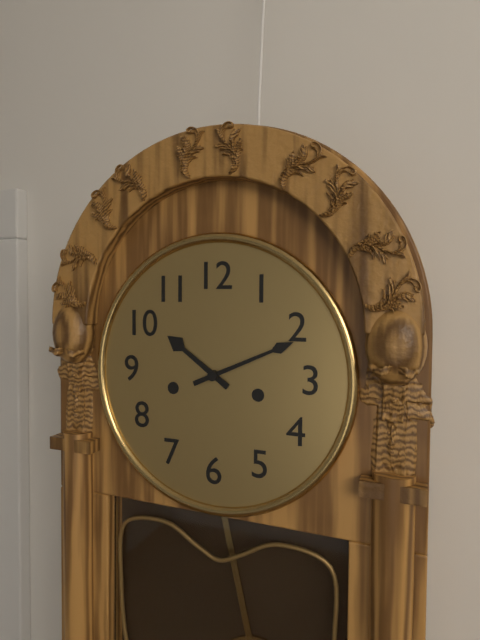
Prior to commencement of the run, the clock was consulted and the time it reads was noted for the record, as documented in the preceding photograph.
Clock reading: 10:11
